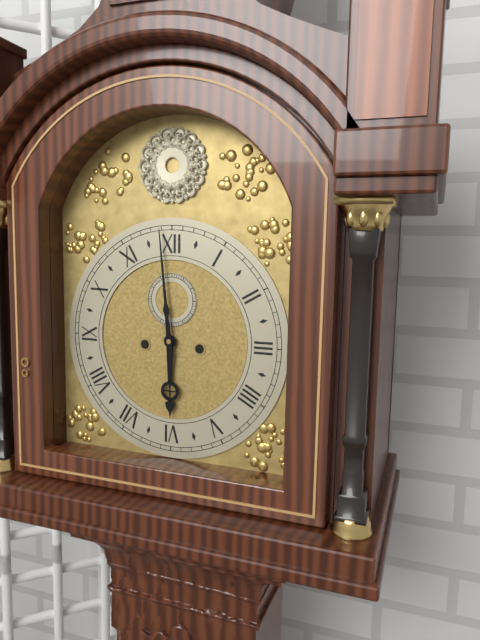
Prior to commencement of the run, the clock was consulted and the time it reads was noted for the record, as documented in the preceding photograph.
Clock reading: 5:59
